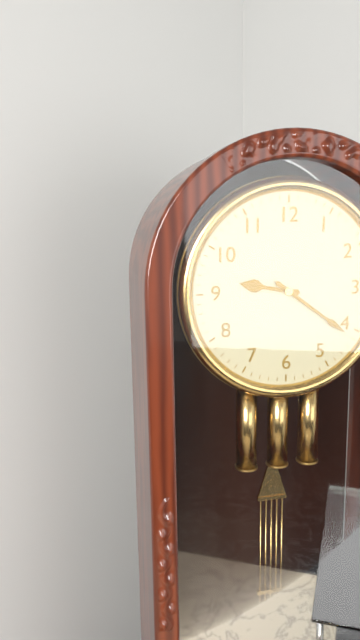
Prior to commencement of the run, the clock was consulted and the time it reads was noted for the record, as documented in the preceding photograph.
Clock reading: 9:21
